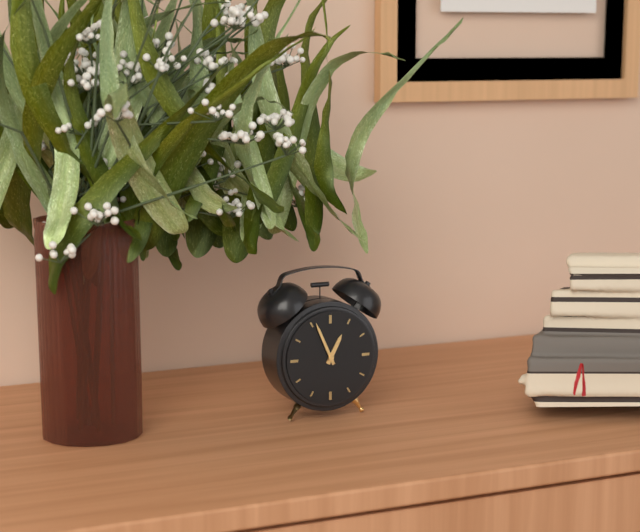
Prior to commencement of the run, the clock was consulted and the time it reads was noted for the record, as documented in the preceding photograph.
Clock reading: 12:56
